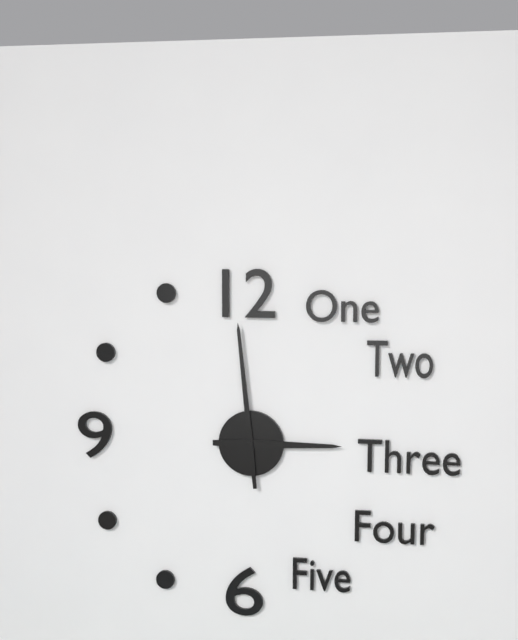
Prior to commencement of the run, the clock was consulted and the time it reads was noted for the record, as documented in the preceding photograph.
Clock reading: 2:59
